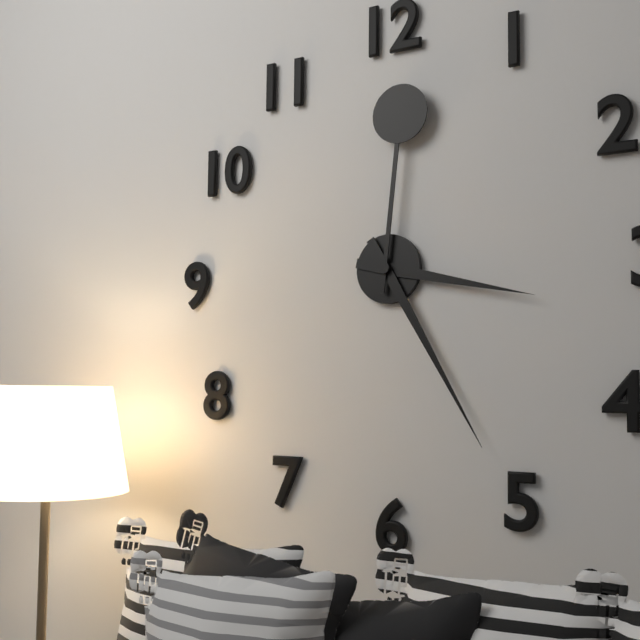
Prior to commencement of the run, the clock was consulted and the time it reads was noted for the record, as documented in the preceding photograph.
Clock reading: 3:25:01
